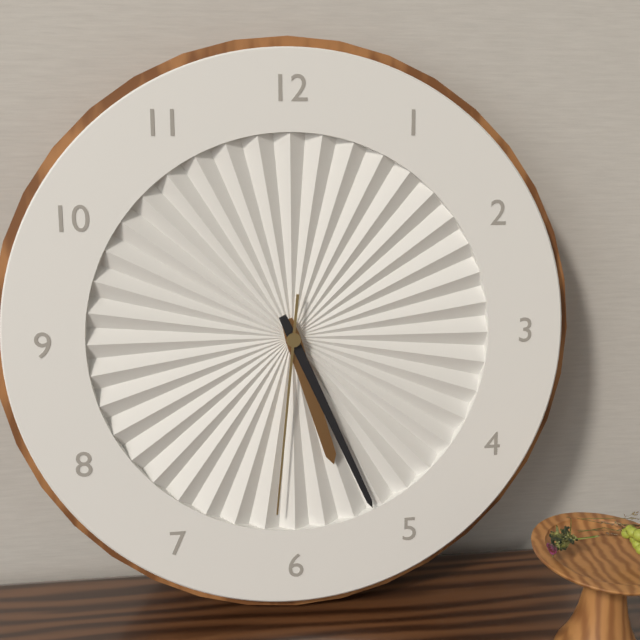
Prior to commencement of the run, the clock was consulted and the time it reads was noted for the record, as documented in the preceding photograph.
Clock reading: 5:26:31
